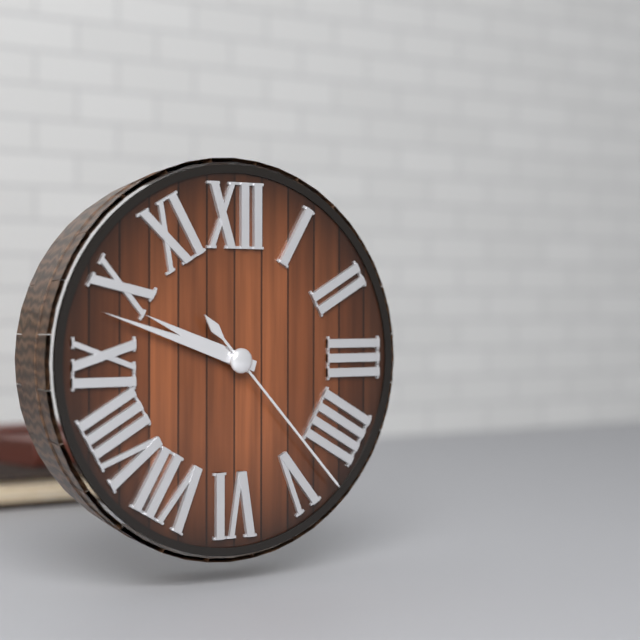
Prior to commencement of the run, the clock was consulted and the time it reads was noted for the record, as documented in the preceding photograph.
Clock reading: 9:48:23
